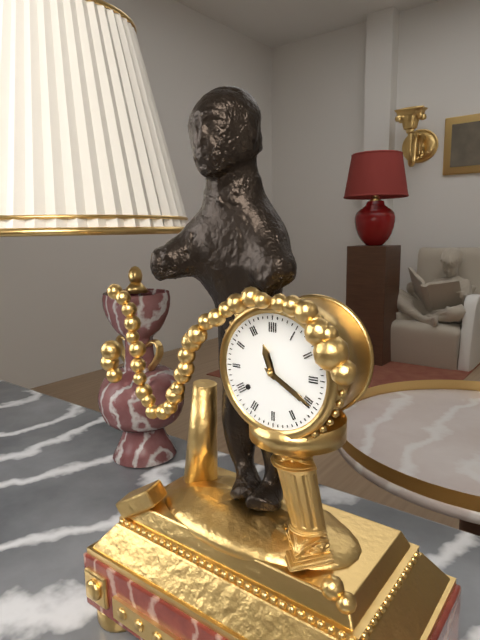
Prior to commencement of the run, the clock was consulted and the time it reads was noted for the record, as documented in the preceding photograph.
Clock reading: 11:20
